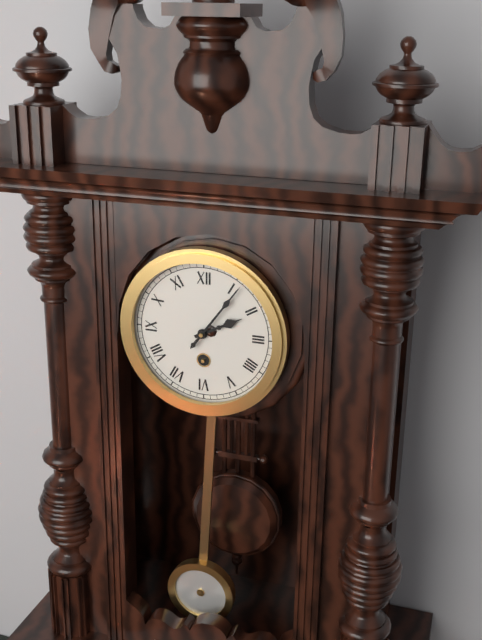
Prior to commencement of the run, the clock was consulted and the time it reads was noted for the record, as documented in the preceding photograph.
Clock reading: 2:06
